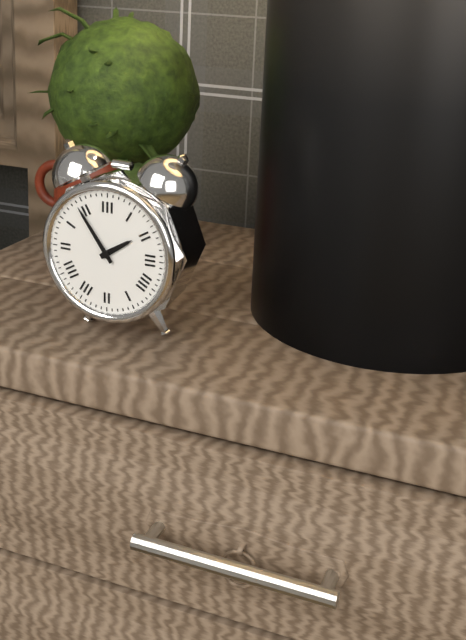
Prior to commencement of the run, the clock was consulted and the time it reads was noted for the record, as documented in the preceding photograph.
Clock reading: 1:54
